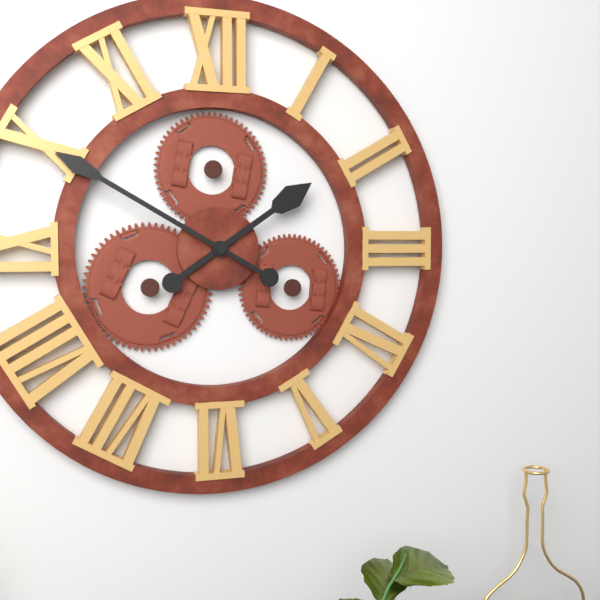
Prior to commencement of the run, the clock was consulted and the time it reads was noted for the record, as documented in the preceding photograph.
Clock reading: 1:50
